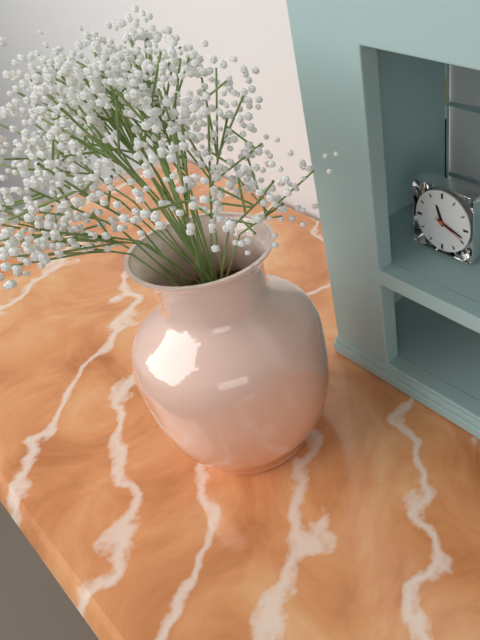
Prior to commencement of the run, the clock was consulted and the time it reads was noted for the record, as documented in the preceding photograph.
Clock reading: 11:18
